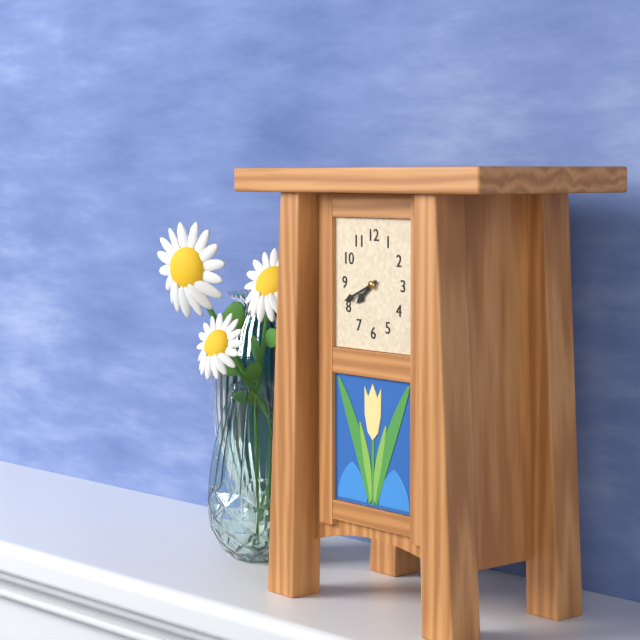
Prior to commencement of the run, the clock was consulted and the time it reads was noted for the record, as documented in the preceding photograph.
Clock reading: 7:41
